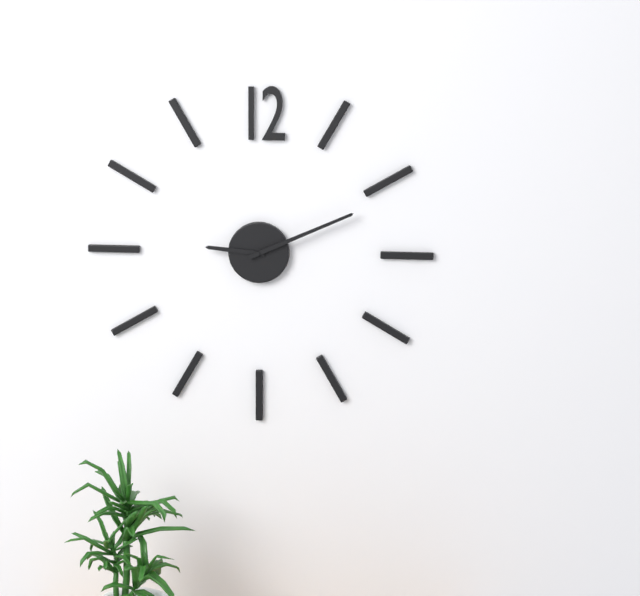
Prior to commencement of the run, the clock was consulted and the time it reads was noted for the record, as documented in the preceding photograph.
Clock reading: 9:11
